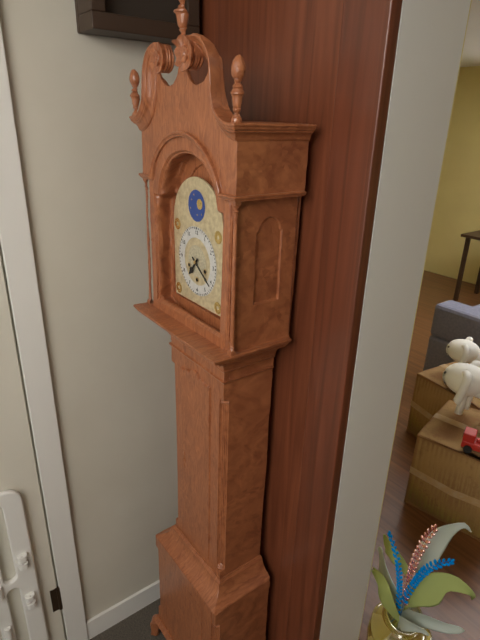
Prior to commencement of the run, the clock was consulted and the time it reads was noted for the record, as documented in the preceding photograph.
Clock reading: 7:21
